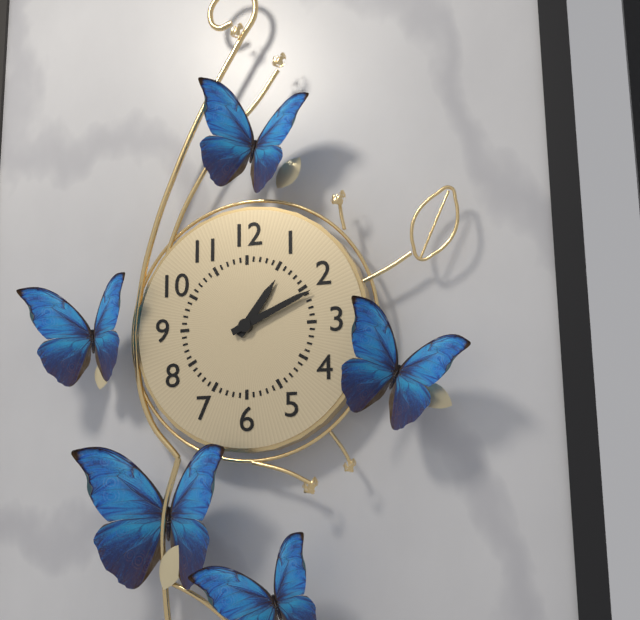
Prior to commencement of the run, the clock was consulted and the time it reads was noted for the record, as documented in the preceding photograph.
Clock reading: 1:11
